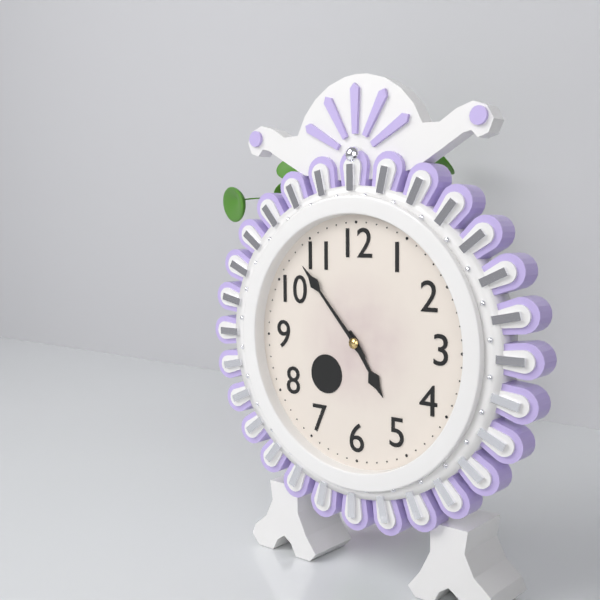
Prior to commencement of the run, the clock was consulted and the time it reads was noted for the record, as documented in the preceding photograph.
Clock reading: 4:53
